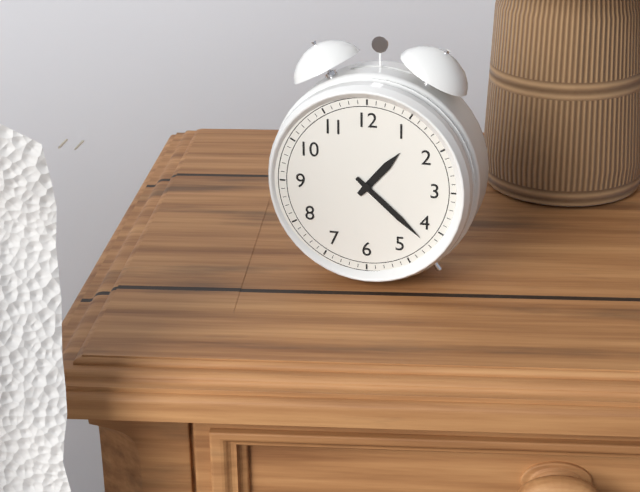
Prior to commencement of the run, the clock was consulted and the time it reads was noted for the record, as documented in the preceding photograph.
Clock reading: 1:22
